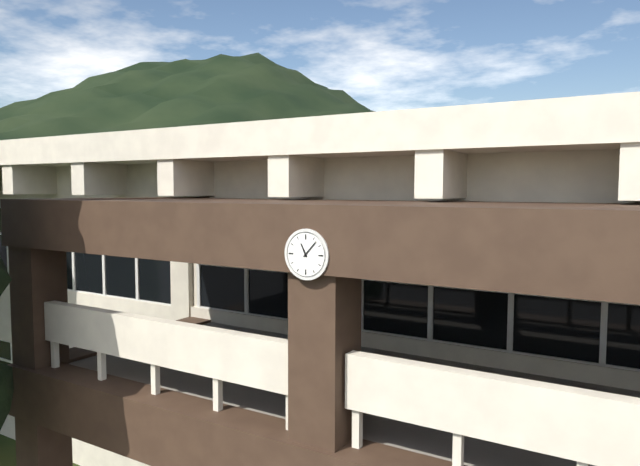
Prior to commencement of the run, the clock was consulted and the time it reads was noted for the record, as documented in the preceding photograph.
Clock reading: 11:07
